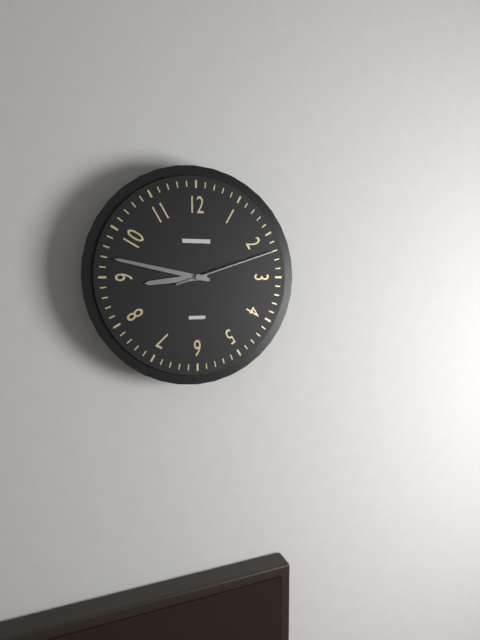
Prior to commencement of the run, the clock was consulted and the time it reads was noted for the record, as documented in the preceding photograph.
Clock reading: 8:47:12
